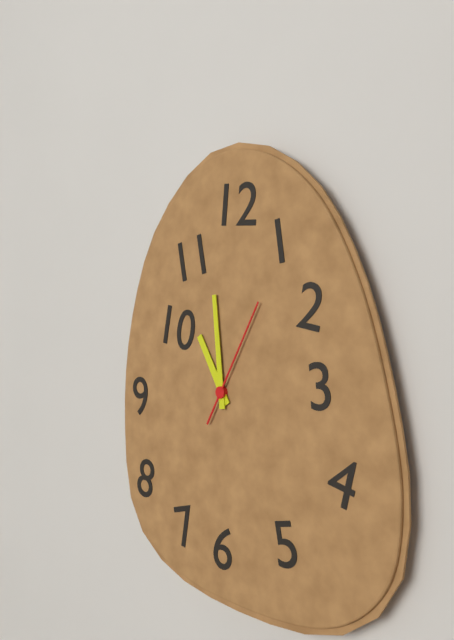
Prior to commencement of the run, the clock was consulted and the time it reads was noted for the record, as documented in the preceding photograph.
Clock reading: 10:59:05
